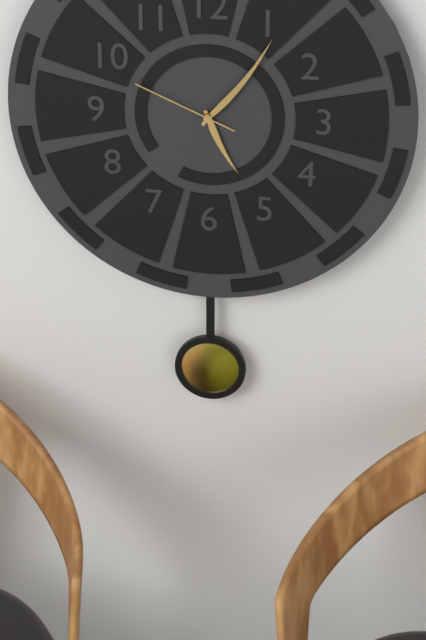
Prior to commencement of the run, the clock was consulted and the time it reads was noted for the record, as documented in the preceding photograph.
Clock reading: 5:06:49
